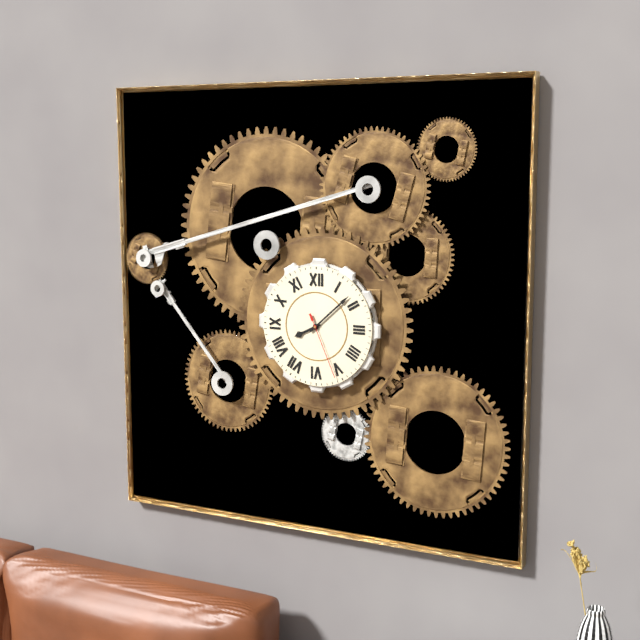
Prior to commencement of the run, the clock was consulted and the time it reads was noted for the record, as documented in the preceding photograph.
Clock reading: 8:08:26
